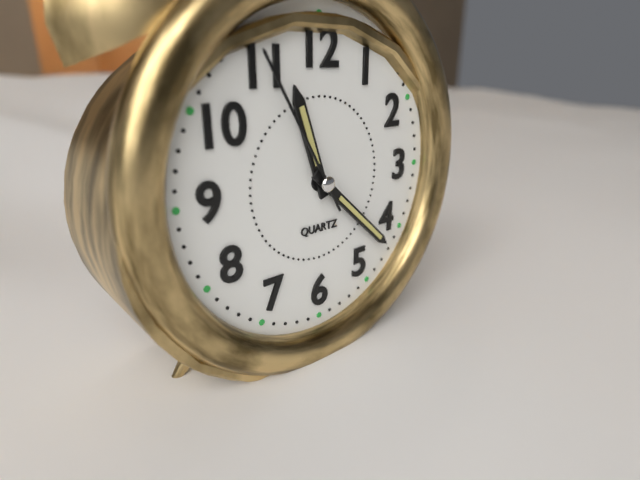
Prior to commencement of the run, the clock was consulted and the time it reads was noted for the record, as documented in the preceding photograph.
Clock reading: 11:22:55
